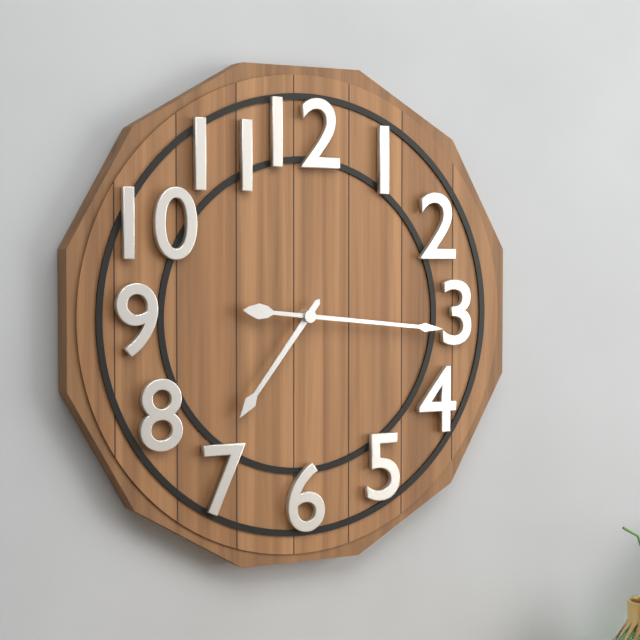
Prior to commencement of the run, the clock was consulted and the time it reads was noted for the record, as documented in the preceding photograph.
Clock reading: 7:16
